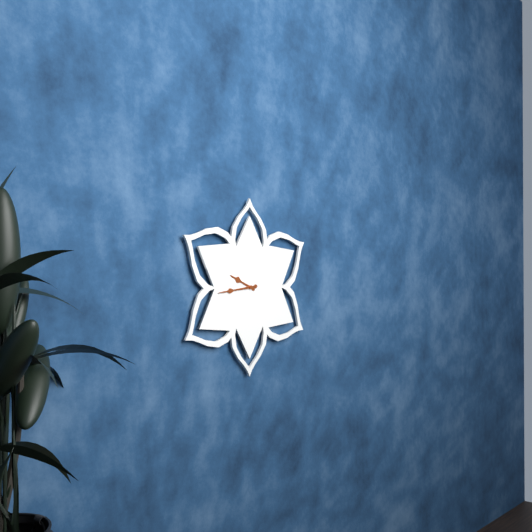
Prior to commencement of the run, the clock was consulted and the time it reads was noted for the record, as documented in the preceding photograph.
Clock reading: 9:44
